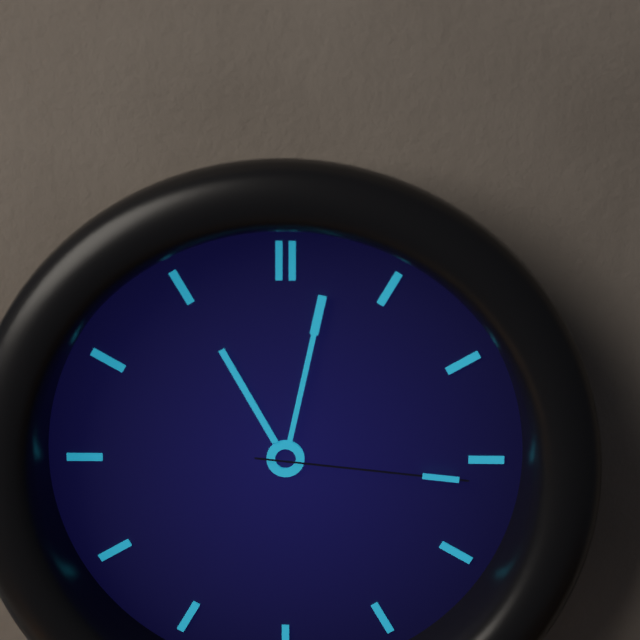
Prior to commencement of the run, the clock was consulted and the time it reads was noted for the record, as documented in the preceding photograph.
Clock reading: 11:02:16
